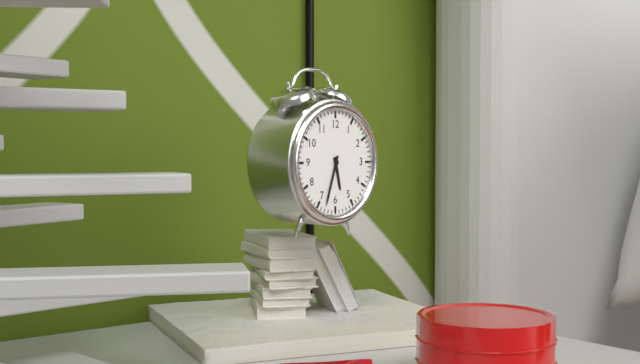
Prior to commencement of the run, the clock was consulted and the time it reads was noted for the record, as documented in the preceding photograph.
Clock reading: 5:33
